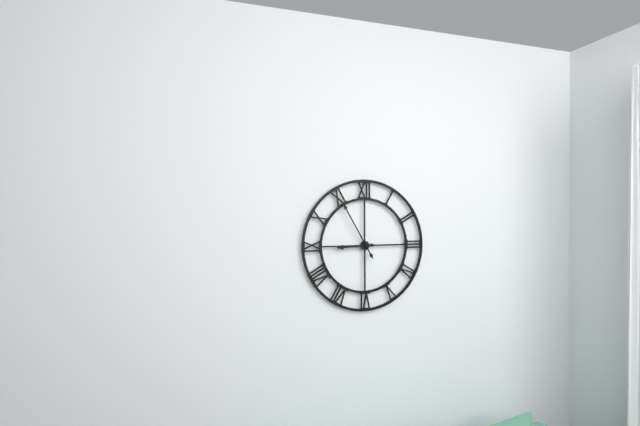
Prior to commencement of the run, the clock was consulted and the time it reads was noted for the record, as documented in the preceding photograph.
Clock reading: 8:55
